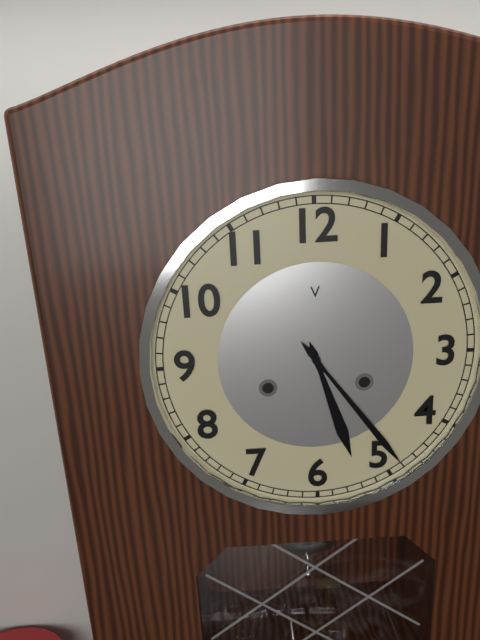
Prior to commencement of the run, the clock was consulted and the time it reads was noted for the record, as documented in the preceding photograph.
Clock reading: 5:24
